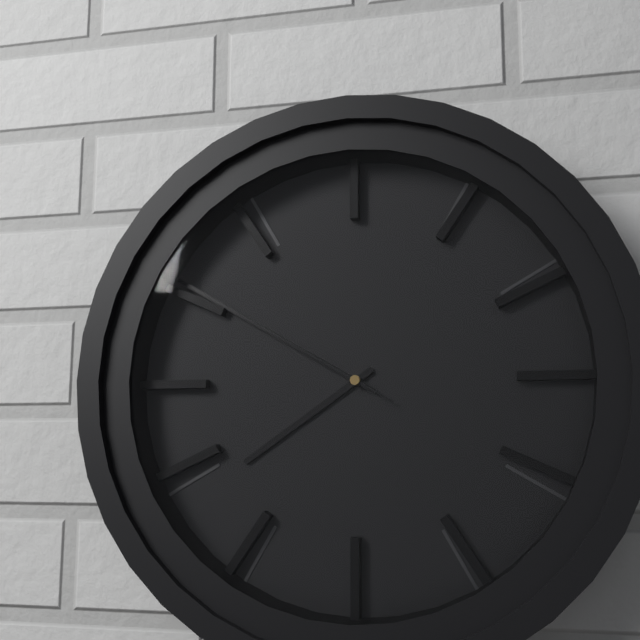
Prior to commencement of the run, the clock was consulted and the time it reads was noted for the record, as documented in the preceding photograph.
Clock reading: 7:50:50
